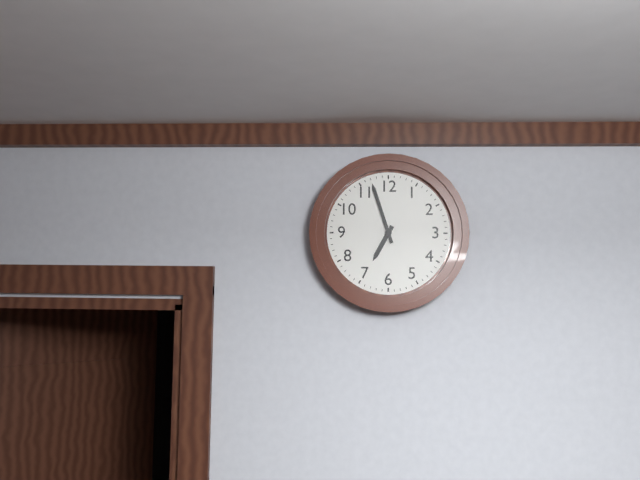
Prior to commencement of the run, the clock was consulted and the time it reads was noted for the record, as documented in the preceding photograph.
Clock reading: 6:57
